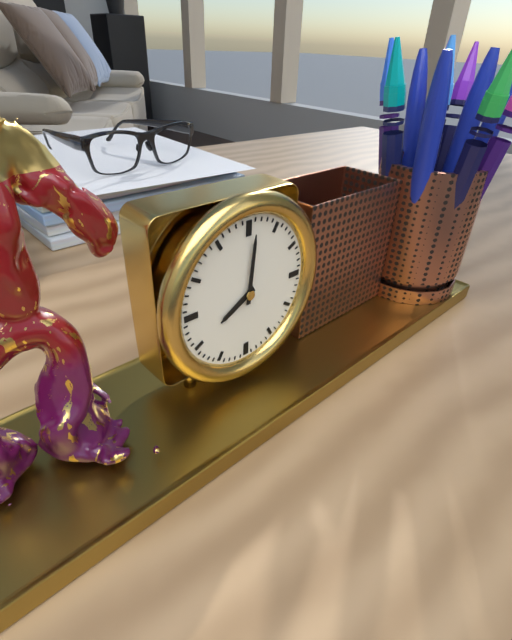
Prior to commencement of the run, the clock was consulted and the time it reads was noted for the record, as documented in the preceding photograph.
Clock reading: 8:01
